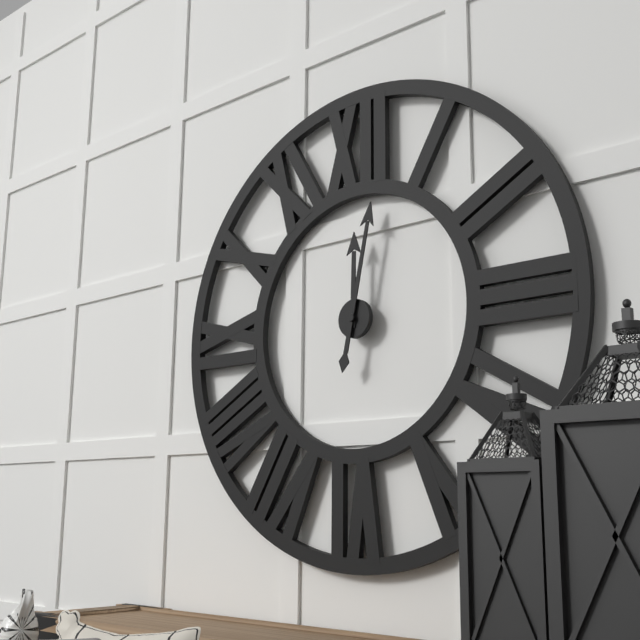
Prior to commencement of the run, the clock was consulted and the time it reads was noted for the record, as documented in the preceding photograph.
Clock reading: 12:02
